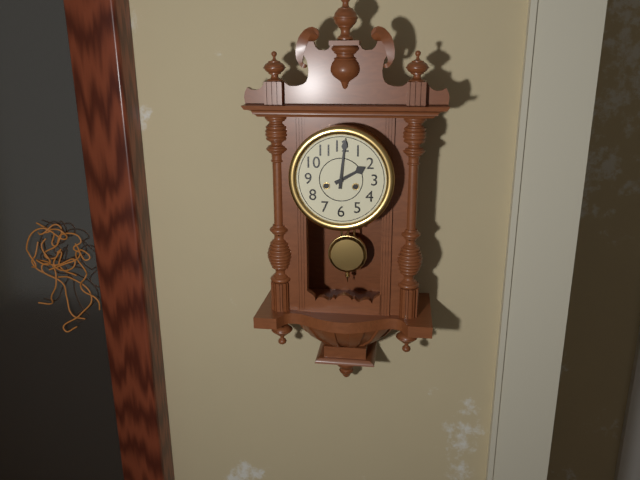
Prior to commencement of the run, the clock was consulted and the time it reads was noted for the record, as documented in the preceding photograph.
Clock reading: 2:01
